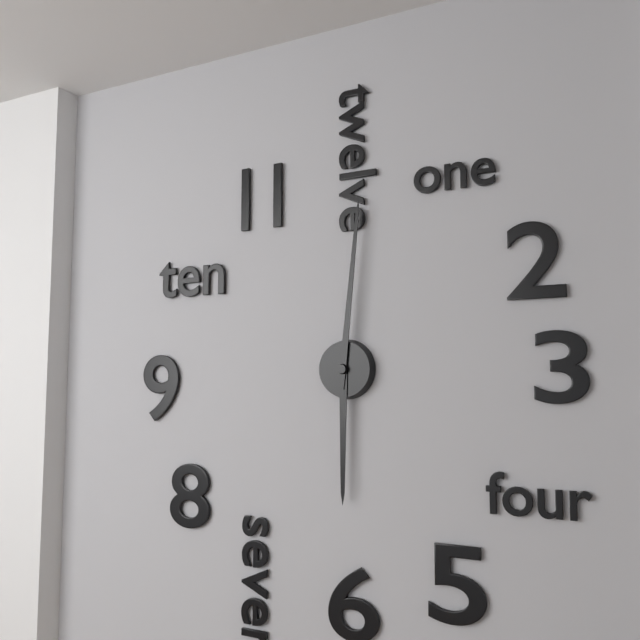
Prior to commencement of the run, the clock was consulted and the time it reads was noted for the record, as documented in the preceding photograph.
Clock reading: 6:01
